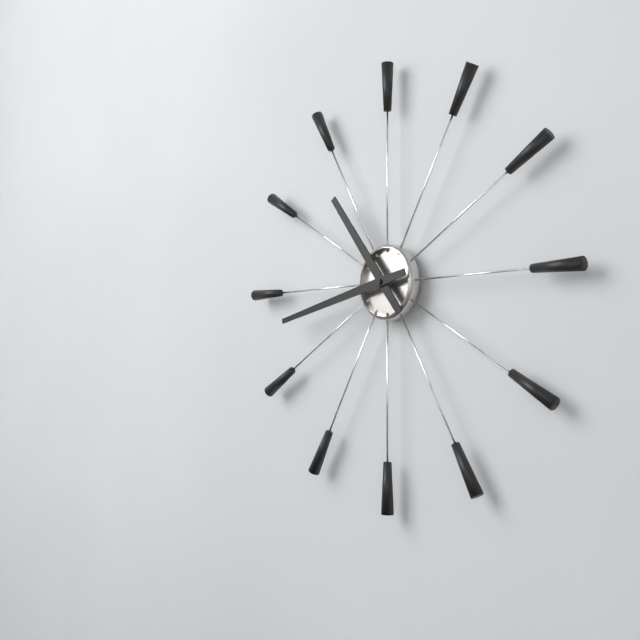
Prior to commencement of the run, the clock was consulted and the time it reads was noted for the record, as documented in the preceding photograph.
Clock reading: 10:43
